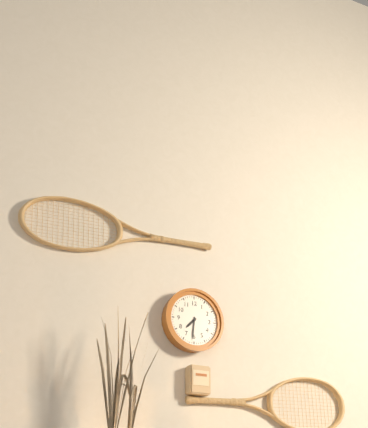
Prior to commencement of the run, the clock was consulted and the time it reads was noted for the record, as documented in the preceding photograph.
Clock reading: 7:31
